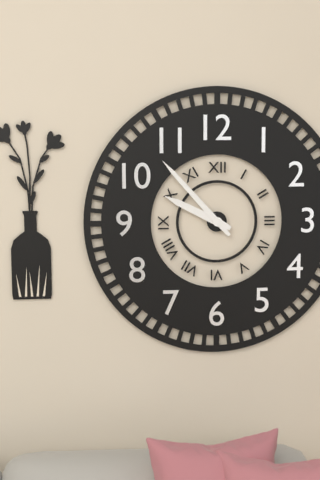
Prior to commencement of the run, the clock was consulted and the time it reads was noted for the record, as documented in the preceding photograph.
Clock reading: 9:53
